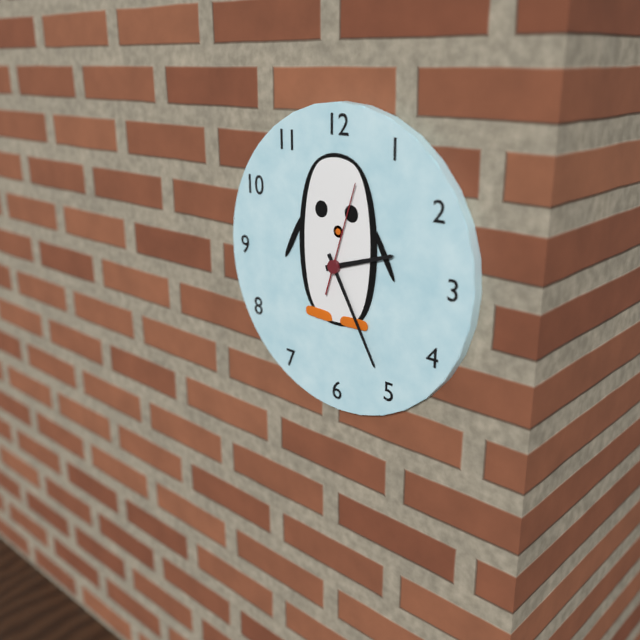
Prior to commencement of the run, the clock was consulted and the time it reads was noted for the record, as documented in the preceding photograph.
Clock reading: 2:25:03
